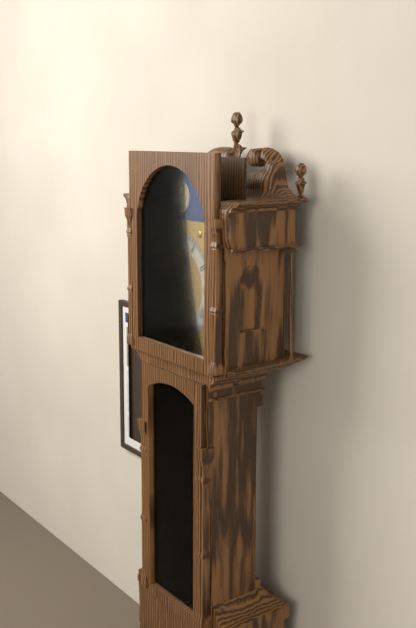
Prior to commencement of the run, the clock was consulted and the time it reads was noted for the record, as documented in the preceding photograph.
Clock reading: 12:38
